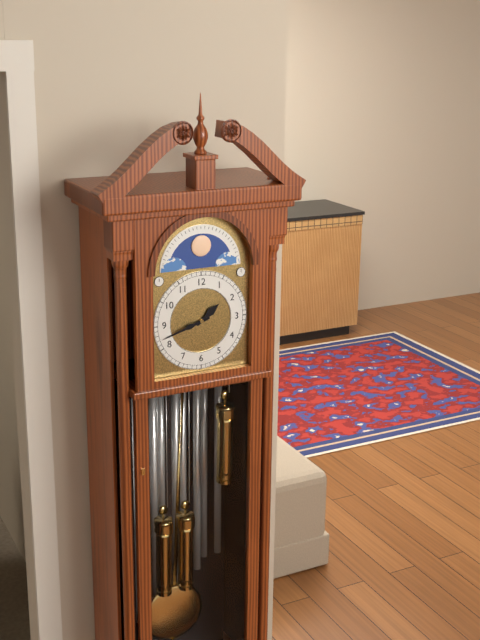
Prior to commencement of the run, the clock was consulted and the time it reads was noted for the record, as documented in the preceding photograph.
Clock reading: 1:42
